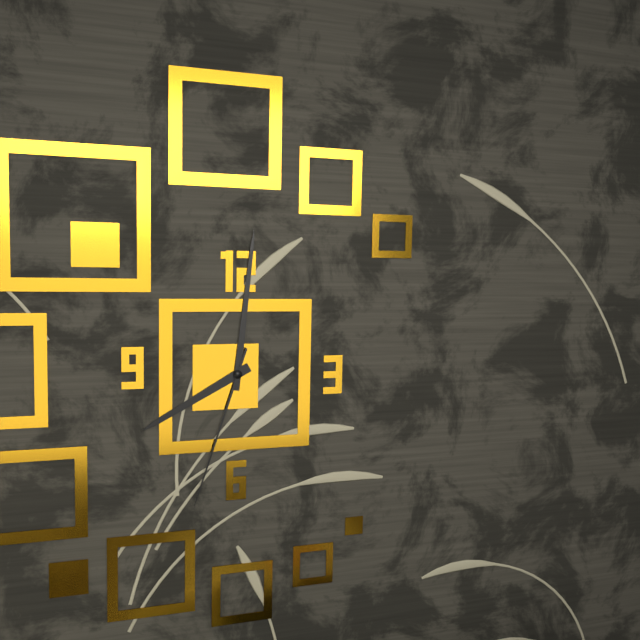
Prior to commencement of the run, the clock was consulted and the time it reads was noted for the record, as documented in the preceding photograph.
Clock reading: 8:01:33
